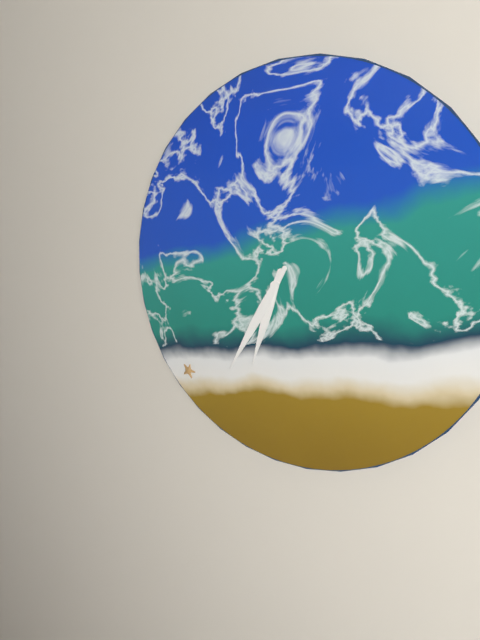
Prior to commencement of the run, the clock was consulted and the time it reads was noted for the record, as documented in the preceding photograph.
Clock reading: 6:35
